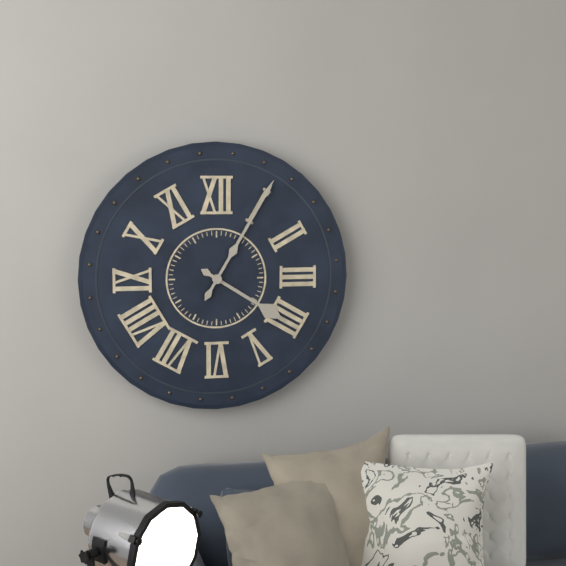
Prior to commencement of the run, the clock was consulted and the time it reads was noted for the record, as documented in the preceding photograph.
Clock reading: 4:05
